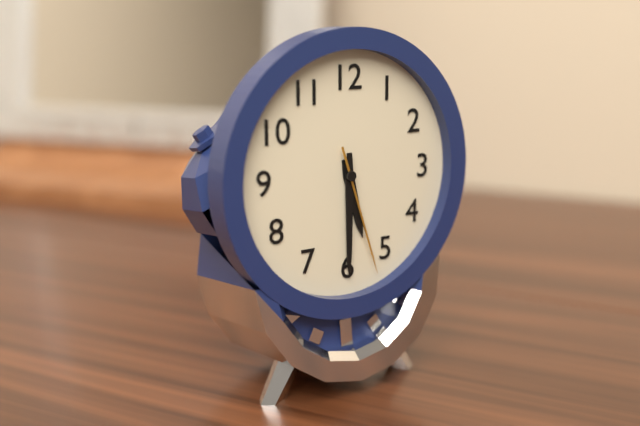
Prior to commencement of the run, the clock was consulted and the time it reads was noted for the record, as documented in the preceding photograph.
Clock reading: 5:30:27
